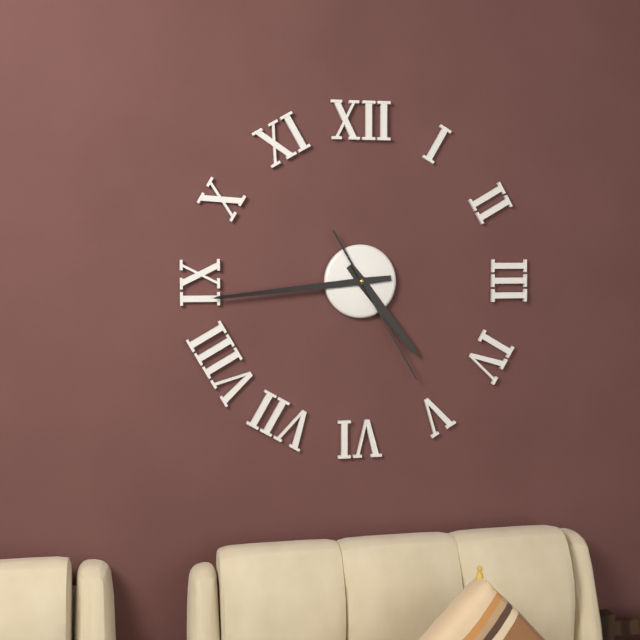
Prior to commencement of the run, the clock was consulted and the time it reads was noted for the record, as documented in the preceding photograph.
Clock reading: 4:44:25
